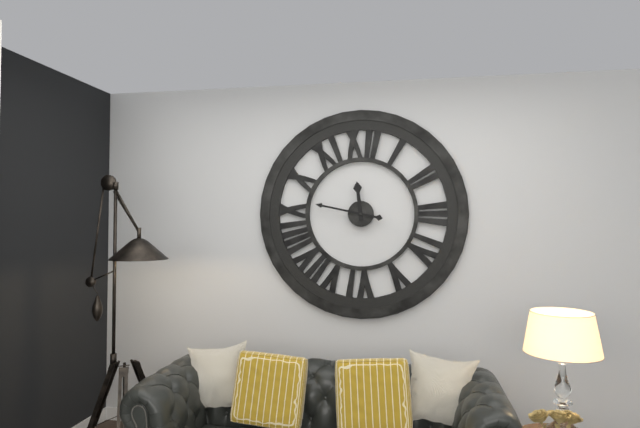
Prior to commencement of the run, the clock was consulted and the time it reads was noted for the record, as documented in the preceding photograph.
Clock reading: 11:47
